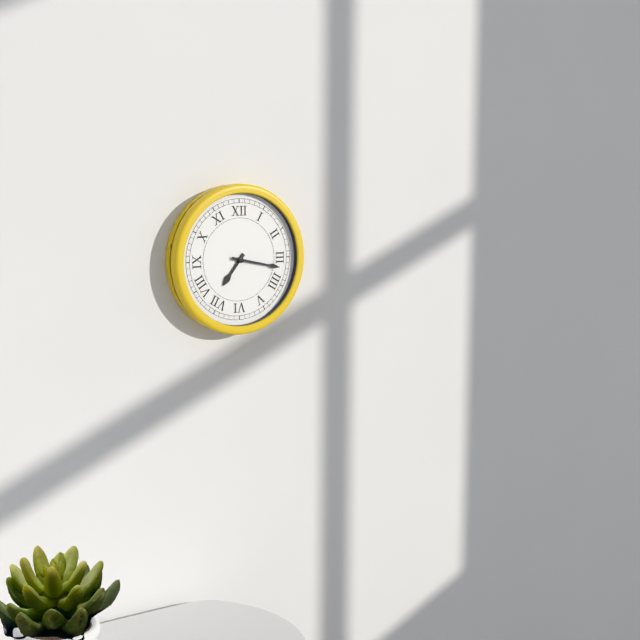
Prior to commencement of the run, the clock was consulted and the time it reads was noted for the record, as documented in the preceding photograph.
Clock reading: 7:17
